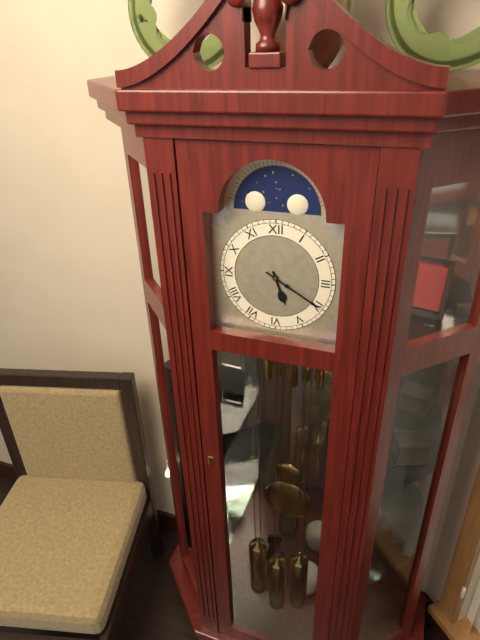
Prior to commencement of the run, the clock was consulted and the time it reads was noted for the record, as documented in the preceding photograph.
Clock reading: 5:20
